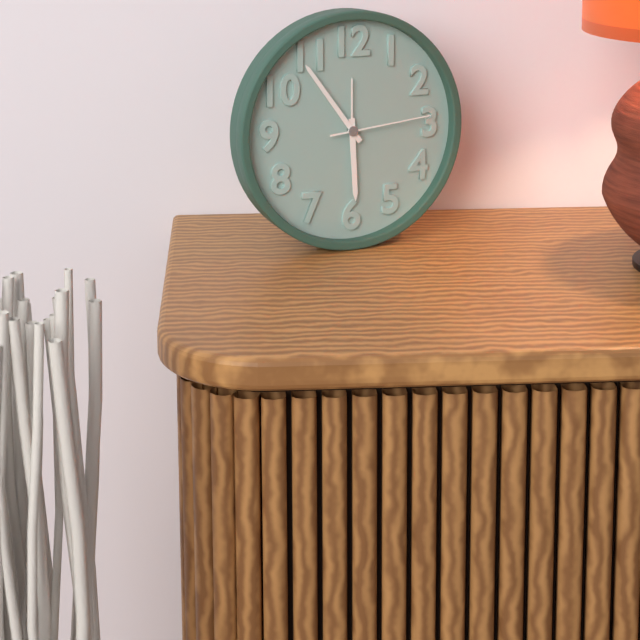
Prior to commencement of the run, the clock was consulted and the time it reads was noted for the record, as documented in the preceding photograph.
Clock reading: 5:54:14
